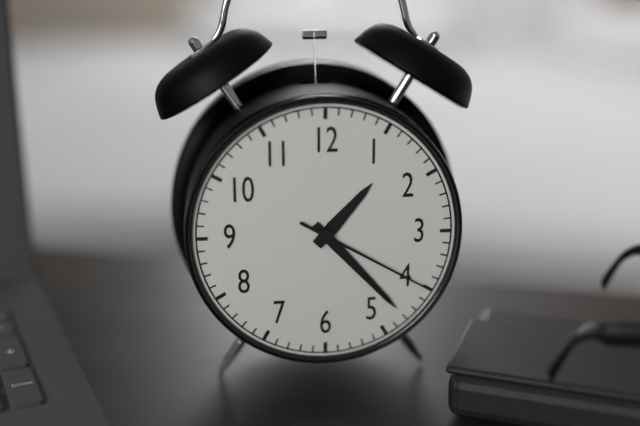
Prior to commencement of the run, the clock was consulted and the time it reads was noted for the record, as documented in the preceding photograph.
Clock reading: 1:23:20
